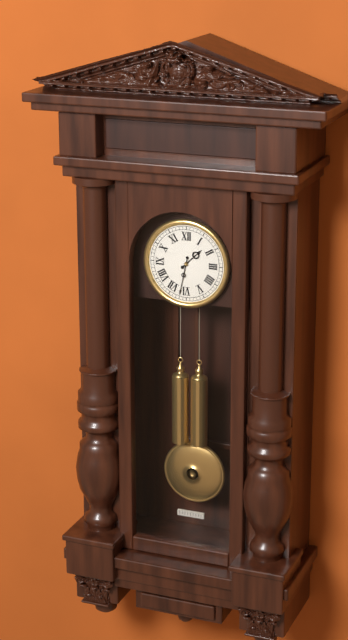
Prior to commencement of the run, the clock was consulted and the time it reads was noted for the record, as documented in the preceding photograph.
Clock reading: 1:32
